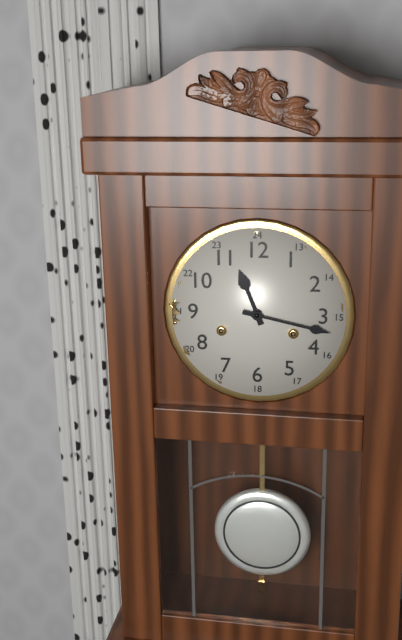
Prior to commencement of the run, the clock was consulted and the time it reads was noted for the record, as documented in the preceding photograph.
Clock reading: 11:17
